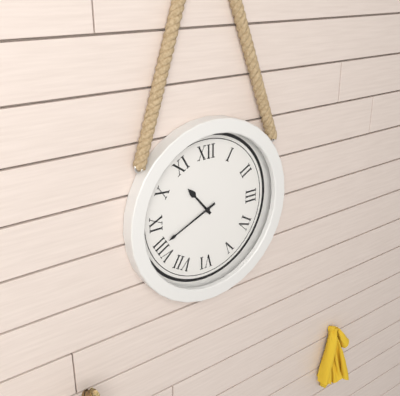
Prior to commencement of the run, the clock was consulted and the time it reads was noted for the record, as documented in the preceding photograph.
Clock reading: 10:41
